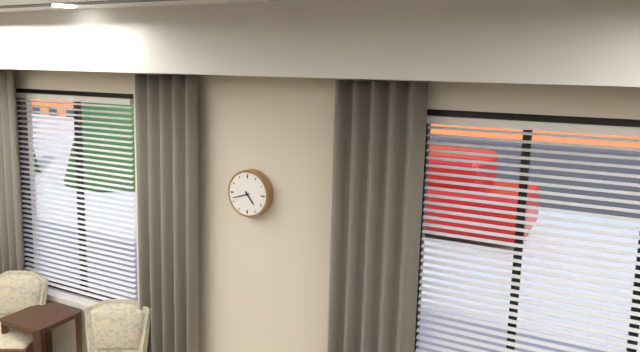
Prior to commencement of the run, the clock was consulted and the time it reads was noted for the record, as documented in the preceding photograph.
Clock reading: 4:42
